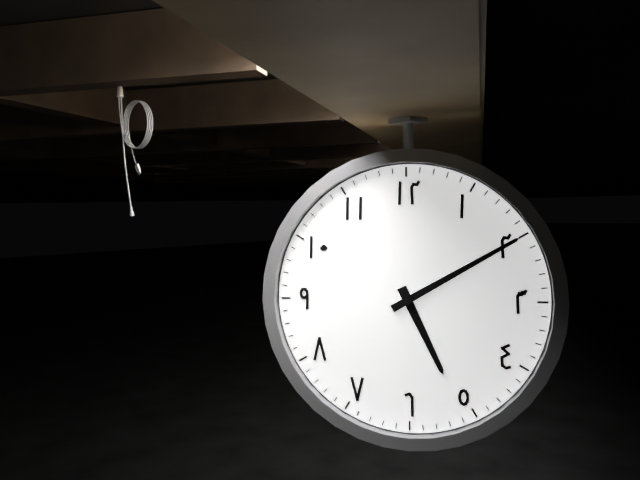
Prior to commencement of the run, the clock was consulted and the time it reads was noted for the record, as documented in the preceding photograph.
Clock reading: 5:10
